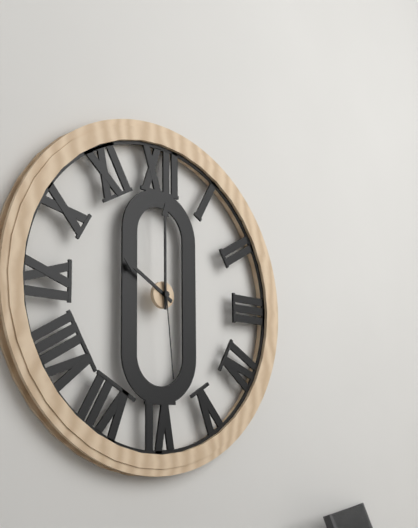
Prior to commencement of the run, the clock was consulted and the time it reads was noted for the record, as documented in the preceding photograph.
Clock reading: 10:00:29
